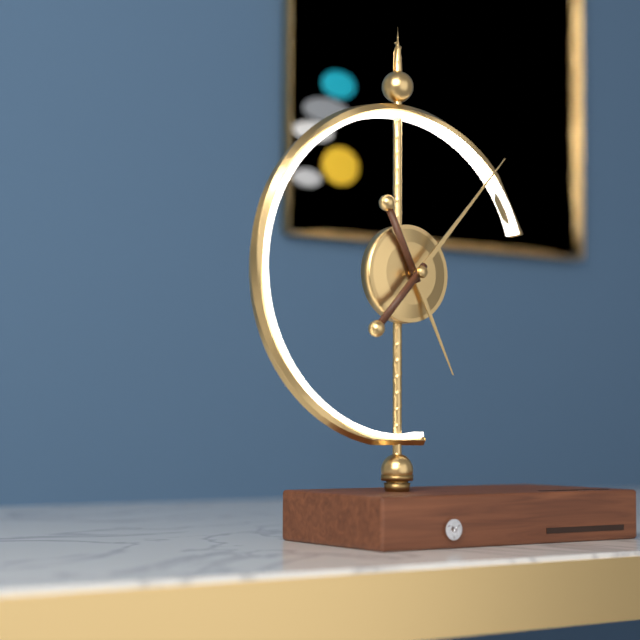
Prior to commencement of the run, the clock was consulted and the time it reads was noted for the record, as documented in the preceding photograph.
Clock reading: 5:07
